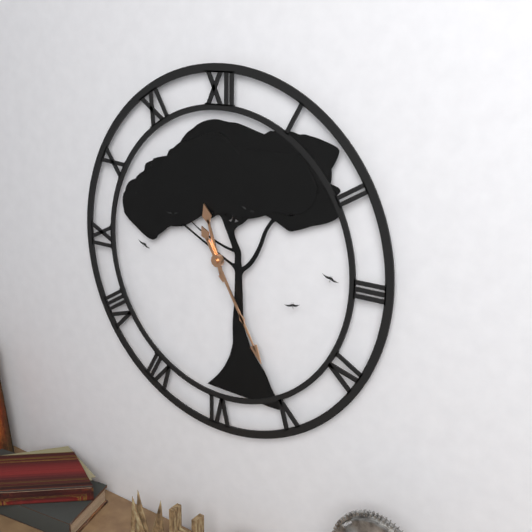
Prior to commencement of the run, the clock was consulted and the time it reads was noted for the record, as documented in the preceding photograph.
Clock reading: 11:25
